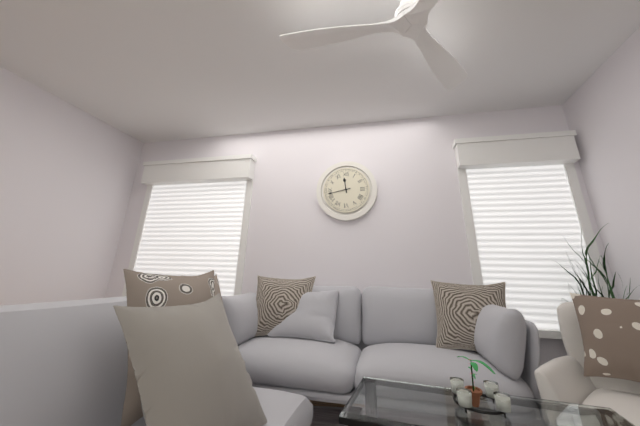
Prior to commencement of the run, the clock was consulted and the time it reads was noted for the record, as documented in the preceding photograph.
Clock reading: 11:43
